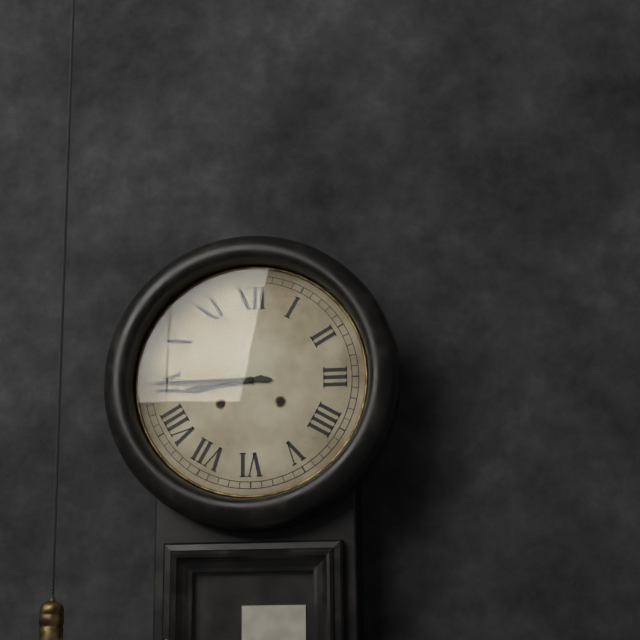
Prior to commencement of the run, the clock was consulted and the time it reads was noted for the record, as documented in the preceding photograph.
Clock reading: 8:45
